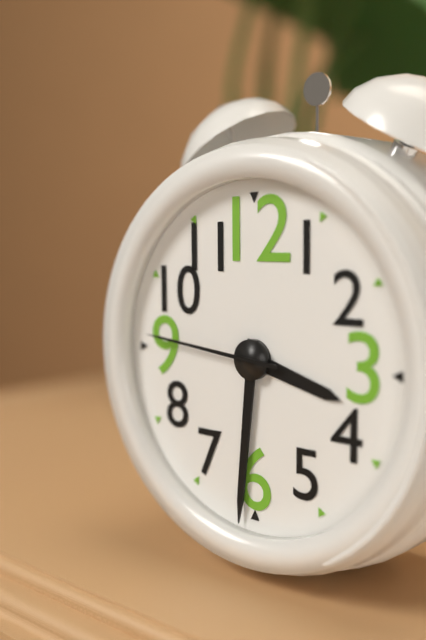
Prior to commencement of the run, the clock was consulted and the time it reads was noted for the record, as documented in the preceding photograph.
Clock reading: 3:31:46
